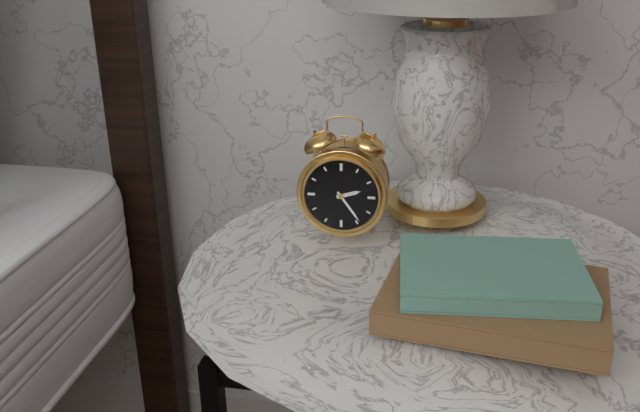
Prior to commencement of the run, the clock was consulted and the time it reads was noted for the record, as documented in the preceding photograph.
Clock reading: 2:24
